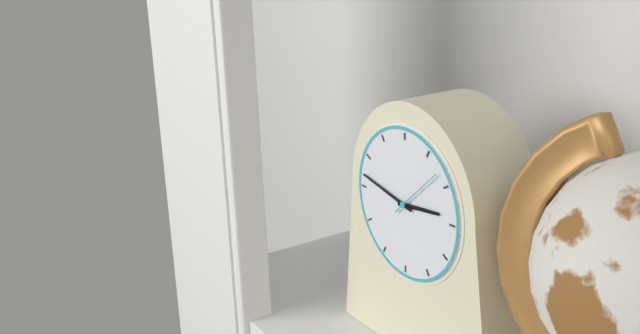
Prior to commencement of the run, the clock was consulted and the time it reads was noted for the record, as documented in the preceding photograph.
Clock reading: 2:47:08
